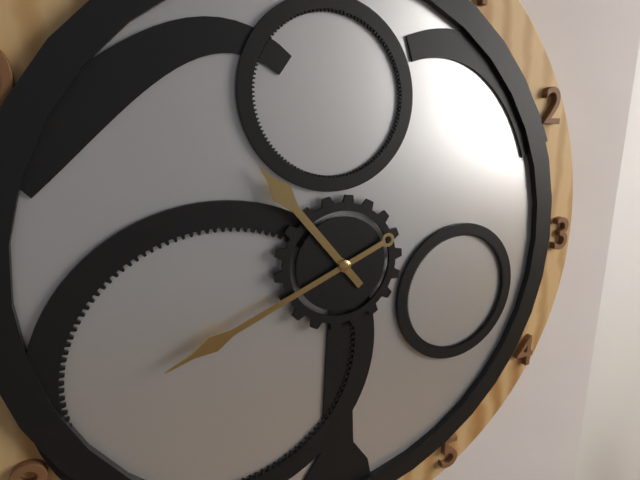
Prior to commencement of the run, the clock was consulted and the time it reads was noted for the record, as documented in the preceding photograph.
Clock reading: 10:41
